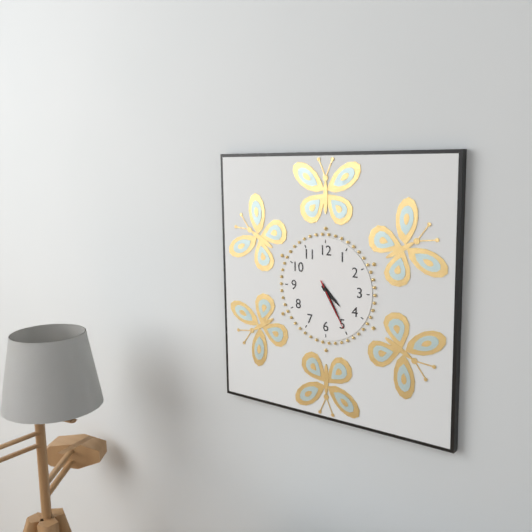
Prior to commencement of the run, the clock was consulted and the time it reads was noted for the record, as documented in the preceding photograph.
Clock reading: 4:25:25
